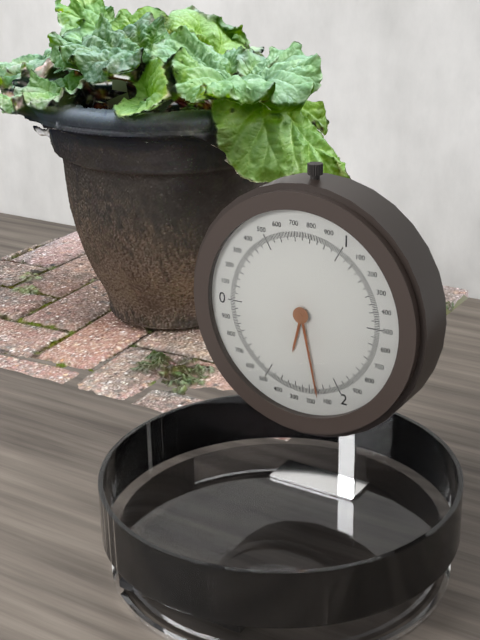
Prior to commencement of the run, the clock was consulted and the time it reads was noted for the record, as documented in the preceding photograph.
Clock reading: 6:28
